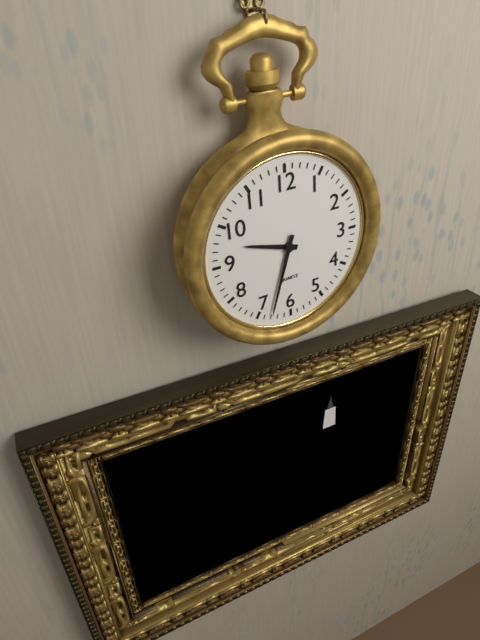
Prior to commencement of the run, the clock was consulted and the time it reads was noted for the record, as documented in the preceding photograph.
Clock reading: 9:33
